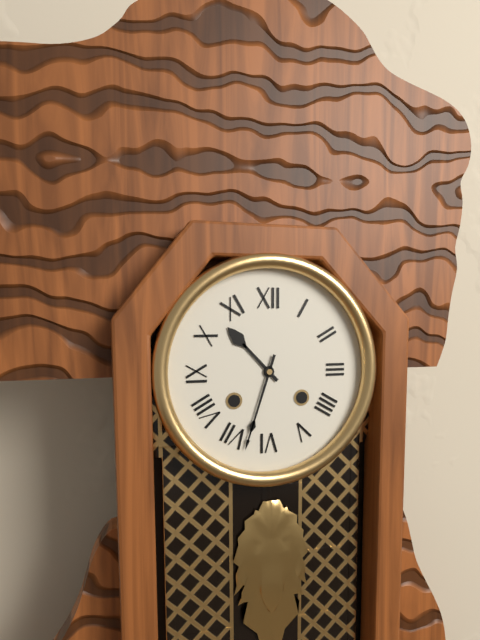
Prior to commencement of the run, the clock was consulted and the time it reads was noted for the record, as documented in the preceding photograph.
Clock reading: 10:33
